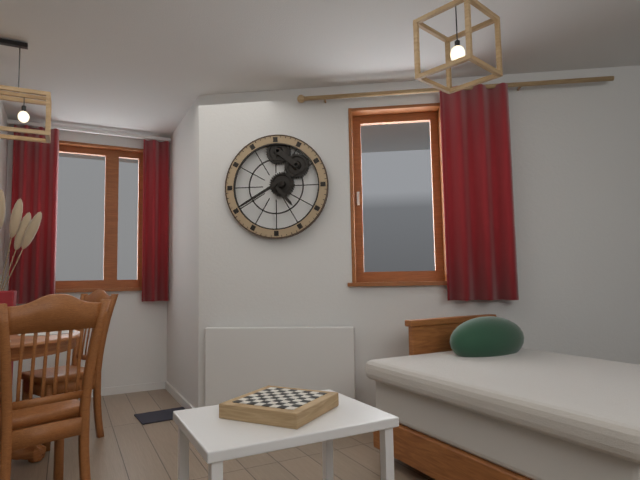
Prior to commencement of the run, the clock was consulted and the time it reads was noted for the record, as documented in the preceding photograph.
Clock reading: 4:40
